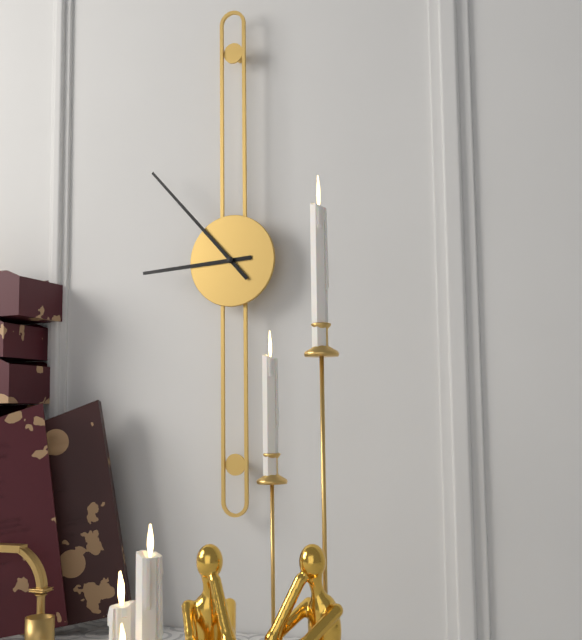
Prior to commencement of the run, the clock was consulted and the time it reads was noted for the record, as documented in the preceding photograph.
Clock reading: 8:53
